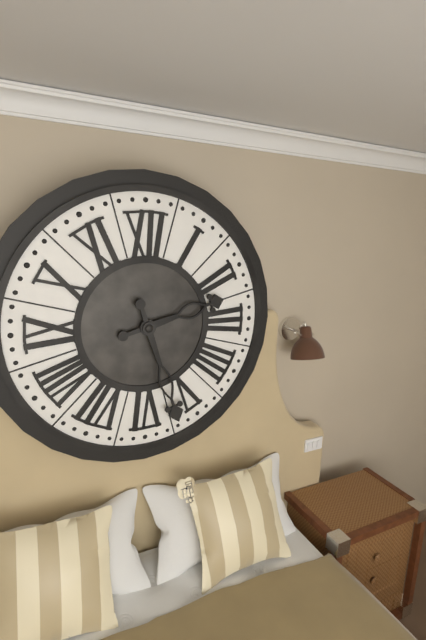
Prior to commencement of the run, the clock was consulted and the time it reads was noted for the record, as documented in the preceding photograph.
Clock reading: 2:27
